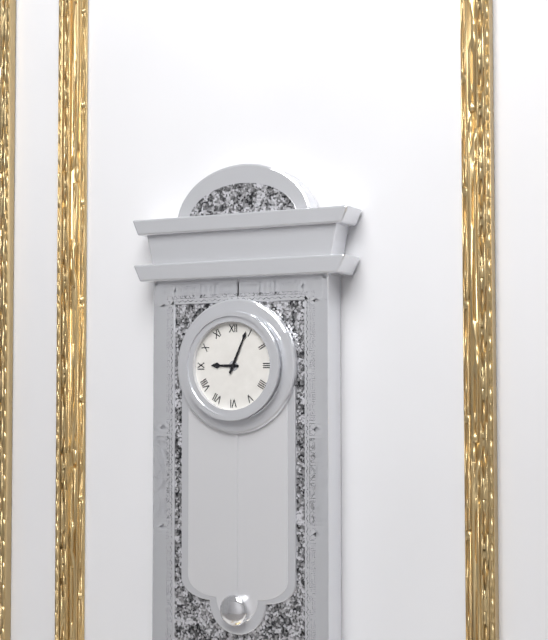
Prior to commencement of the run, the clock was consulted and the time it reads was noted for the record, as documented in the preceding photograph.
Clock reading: 9:04
